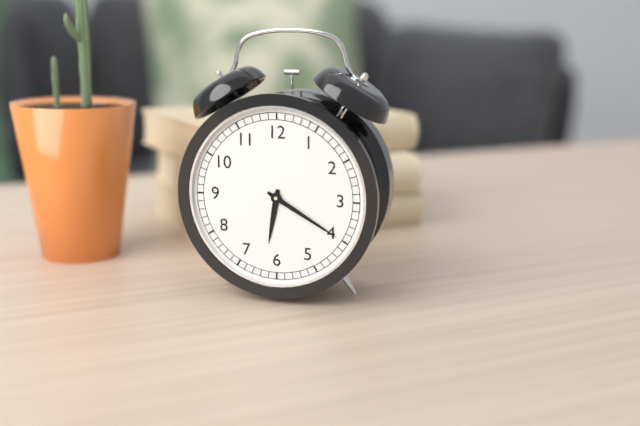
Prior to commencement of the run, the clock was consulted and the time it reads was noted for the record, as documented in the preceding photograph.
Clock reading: 6:20
